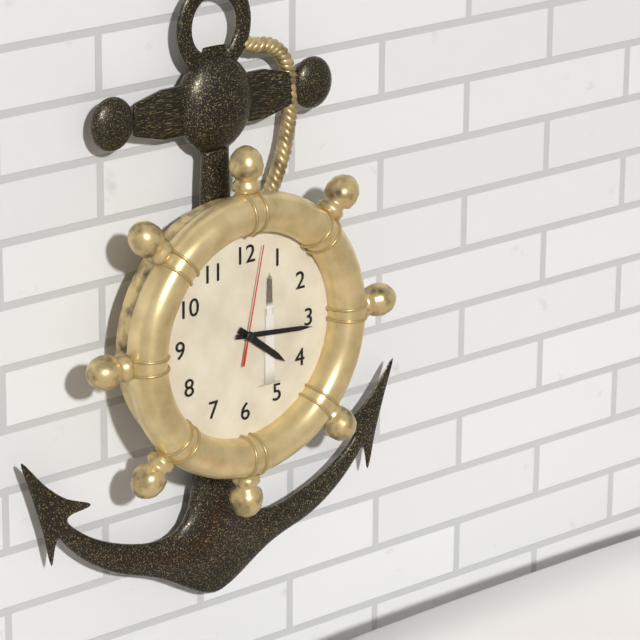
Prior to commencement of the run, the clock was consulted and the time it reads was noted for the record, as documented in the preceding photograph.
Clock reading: 4:16:02
